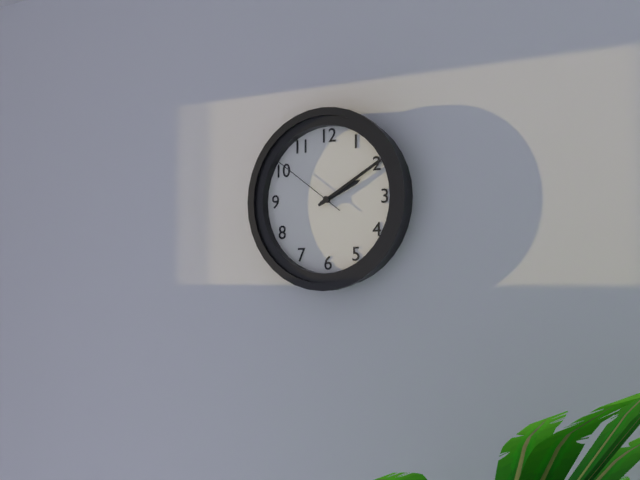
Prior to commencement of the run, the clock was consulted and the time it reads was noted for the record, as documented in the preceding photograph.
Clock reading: 2:10:51
